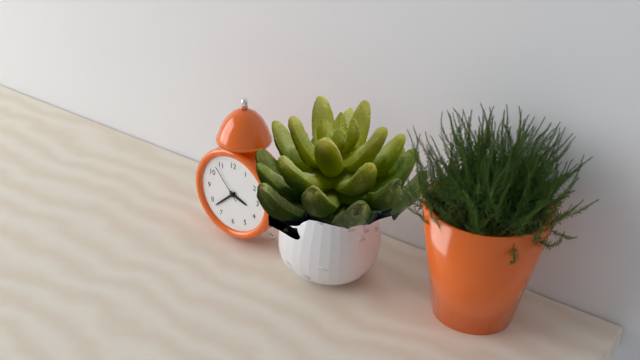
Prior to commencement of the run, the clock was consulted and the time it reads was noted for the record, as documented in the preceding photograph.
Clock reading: 3:38
